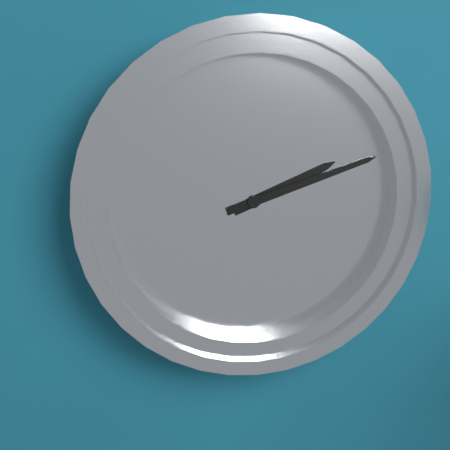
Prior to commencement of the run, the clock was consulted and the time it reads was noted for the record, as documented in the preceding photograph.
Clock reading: 2:12
